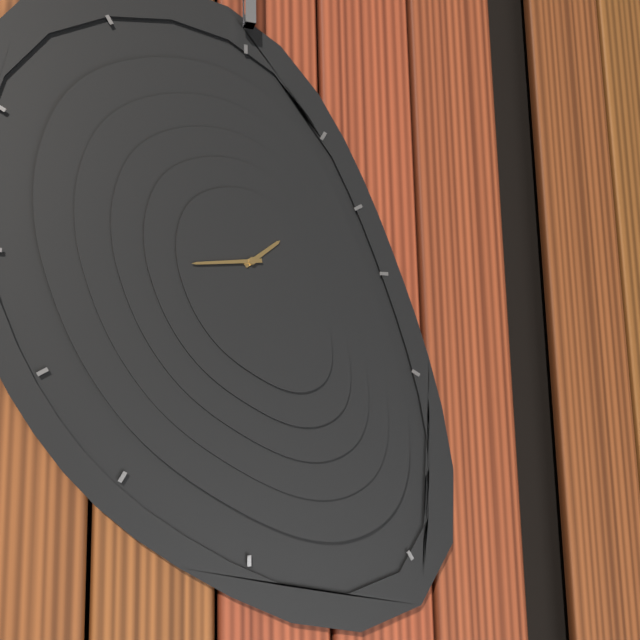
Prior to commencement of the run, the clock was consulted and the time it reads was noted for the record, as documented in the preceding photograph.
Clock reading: 1:44
